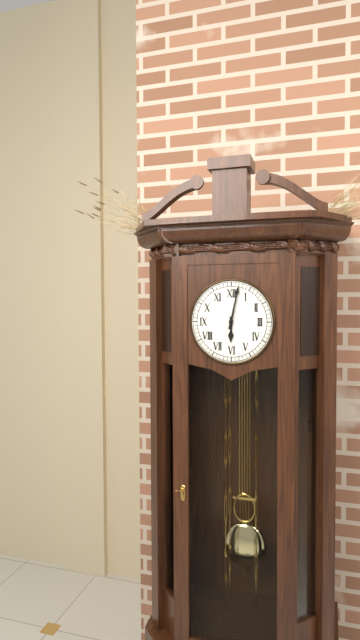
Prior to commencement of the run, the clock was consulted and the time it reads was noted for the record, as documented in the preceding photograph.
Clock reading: 6:02
